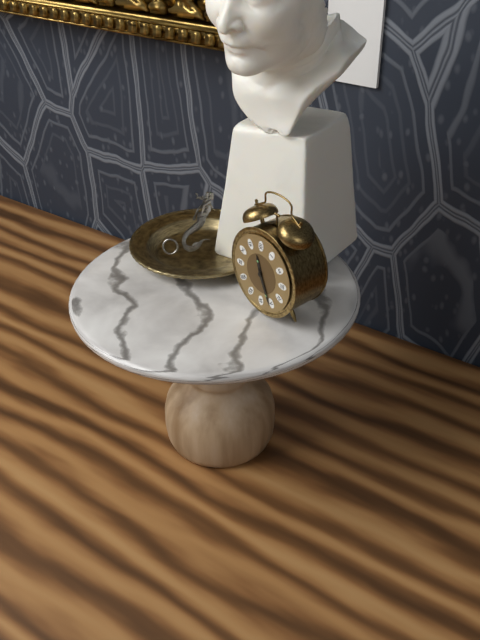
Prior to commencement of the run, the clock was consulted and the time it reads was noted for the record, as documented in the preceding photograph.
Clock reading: 11:26
